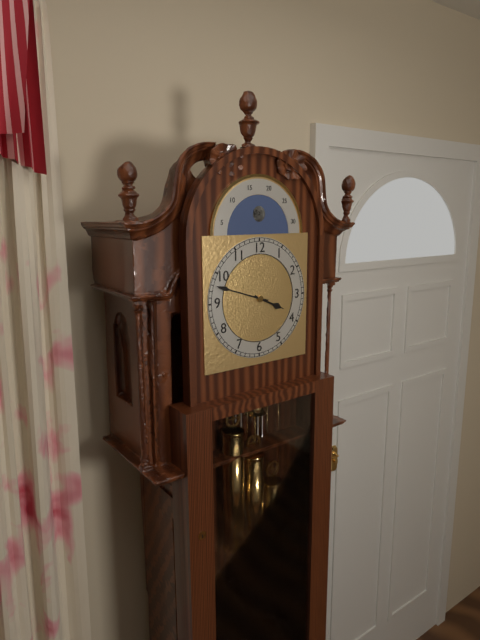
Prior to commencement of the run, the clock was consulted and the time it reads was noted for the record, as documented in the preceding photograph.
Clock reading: 3:48
